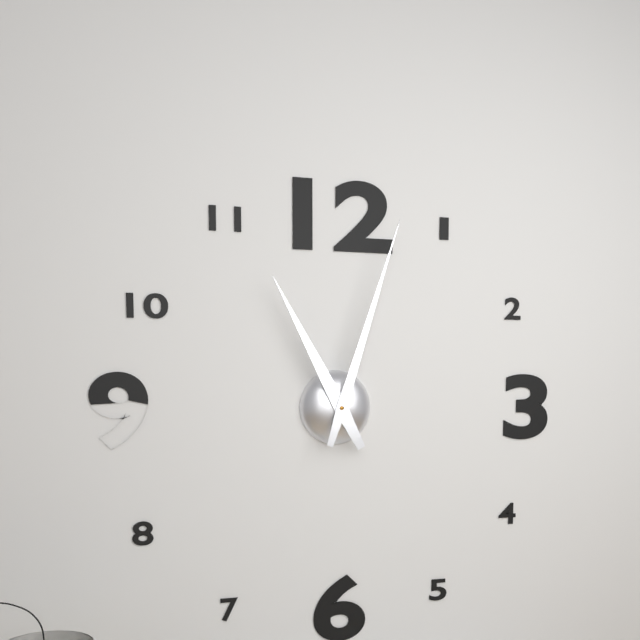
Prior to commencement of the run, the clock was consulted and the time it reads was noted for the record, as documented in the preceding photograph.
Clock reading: 11:03
